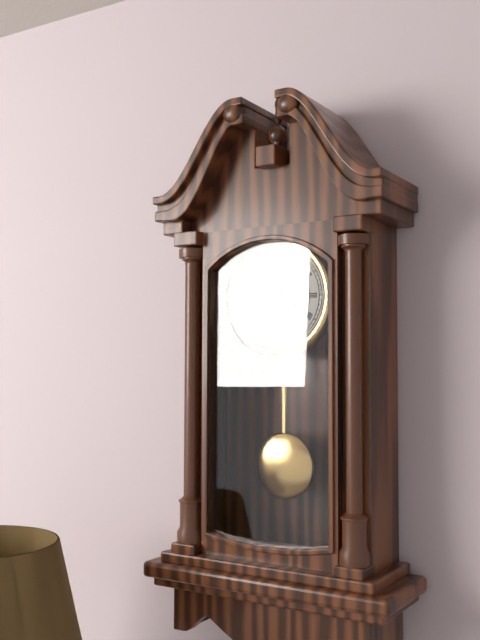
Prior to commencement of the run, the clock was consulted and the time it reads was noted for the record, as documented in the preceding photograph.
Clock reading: 3:41
